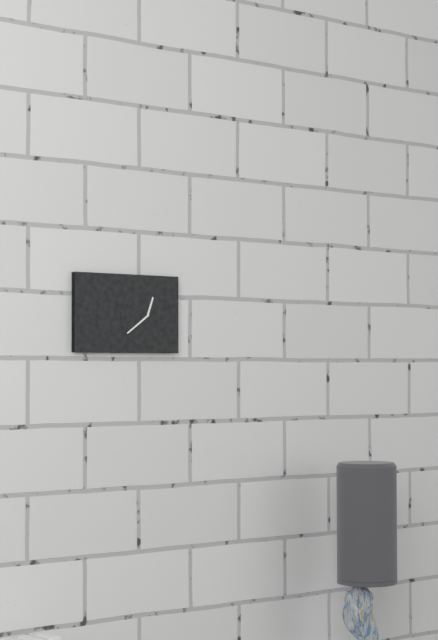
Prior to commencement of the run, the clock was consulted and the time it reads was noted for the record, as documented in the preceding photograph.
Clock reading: 12:39
